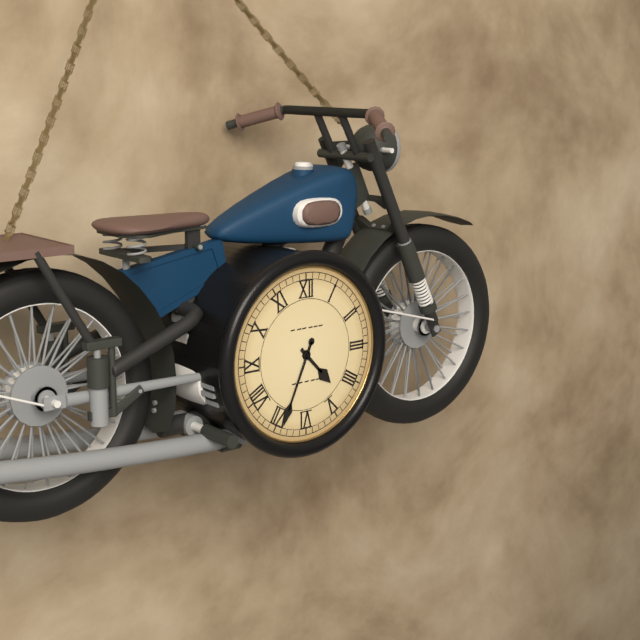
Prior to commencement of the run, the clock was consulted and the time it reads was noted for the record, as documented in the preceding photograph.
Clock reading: 4:34
